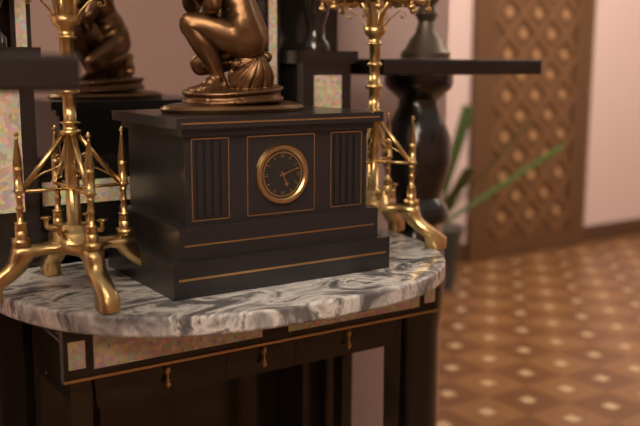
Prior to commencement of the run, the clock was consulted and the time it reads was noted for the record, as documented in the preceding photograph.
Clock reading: 5:12
